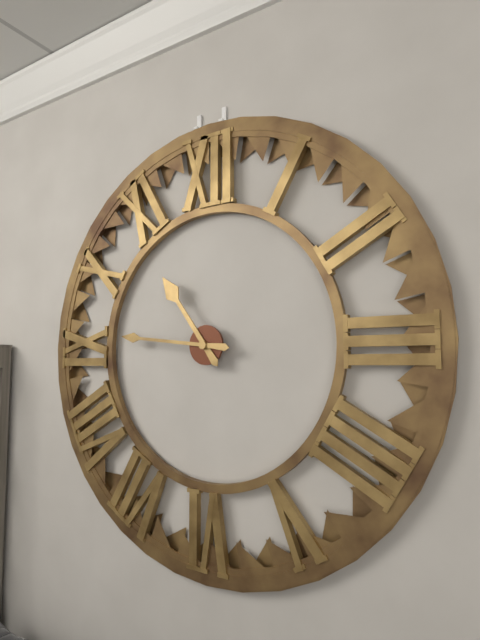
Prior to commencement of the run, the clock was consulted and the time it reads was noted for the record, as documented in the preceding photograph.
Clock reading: 10:46
